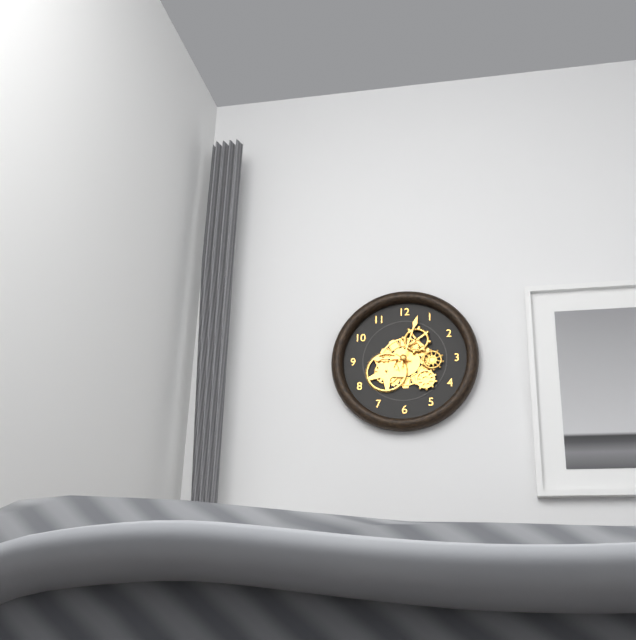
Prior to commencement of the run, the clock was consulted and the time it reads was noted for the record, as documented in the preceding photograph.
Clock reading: 9:03
